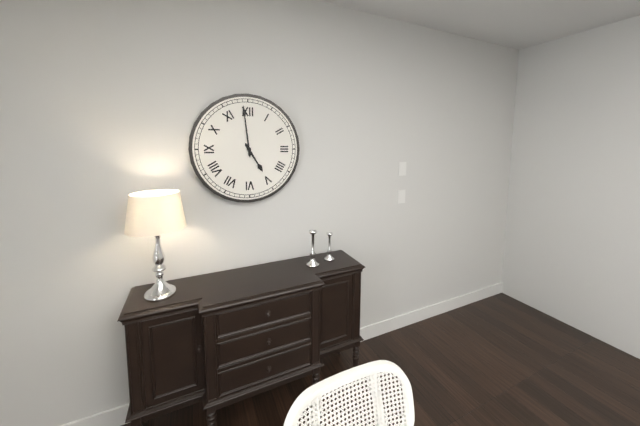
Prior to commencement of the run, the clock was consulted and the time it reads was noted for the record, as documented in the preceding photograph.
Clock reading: 4:59
